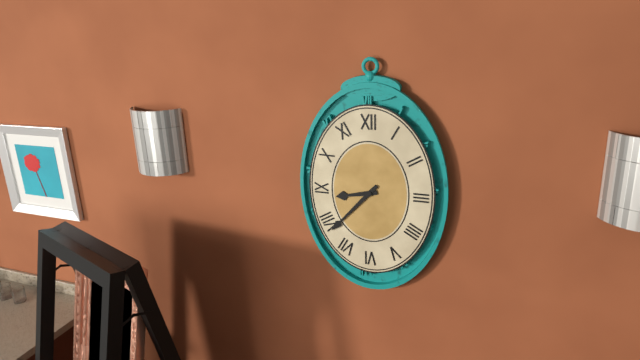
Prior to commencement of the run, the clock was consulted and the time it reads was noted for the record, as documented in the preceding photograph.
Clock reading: 8:37
